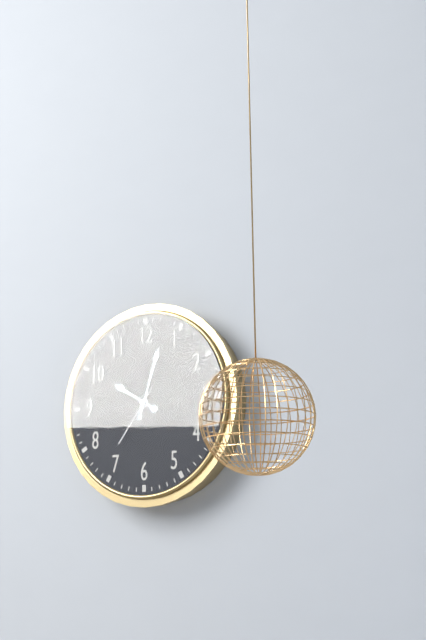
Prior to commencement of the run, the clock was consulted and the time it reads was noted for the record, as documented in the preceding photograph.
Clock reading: 10:03:36
